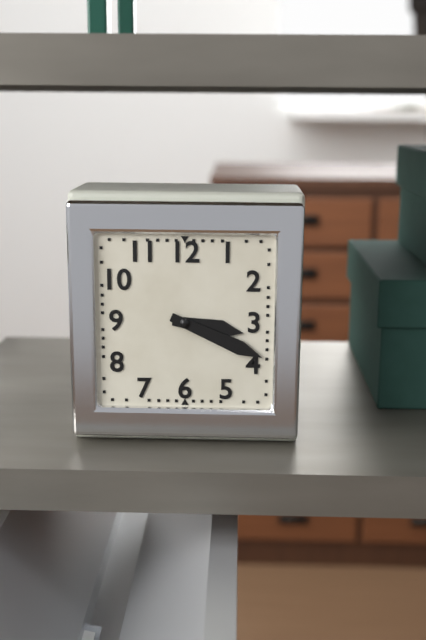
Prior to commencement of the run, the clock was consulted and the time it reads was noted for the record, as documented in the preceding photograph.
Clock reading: 3:19
